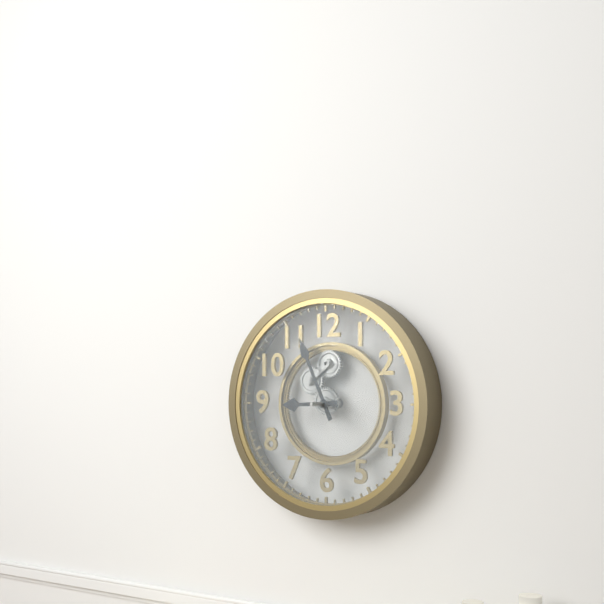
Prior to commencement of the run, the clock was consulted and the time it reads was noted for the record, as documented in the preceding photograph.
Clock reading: 8:56
